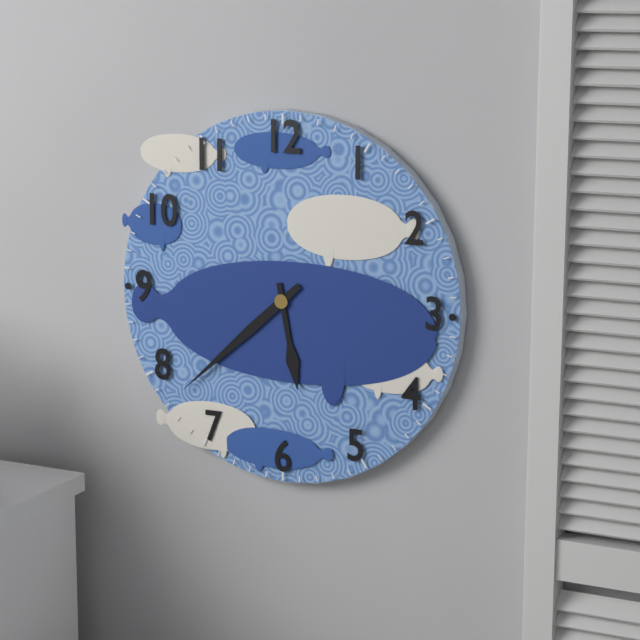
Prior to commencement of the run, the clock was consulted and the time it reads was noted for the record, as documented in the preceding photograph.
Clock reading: 5:38
